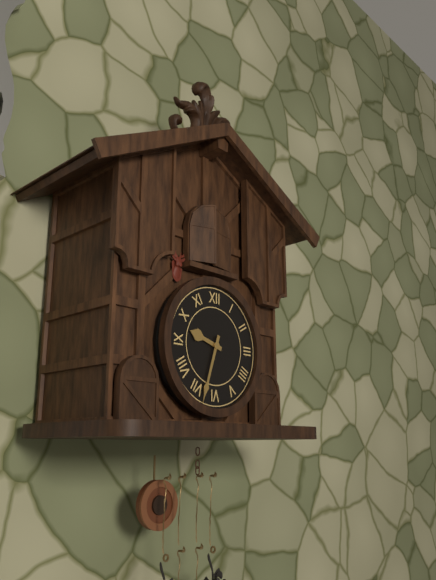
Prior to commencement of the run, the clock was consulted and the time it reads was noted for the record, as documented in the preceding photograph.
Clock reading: 9:33
